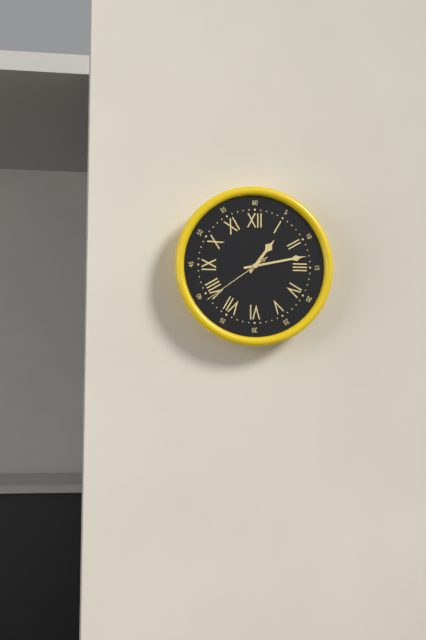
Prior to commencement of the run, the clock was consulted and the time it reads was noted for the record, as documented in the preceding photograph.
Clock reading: 1:13:39
